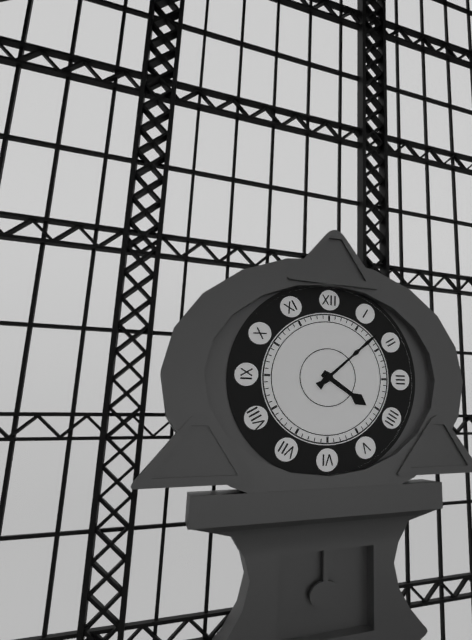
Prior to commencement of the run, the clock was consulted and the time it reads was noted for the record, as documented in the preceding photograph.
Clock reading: 4:08
